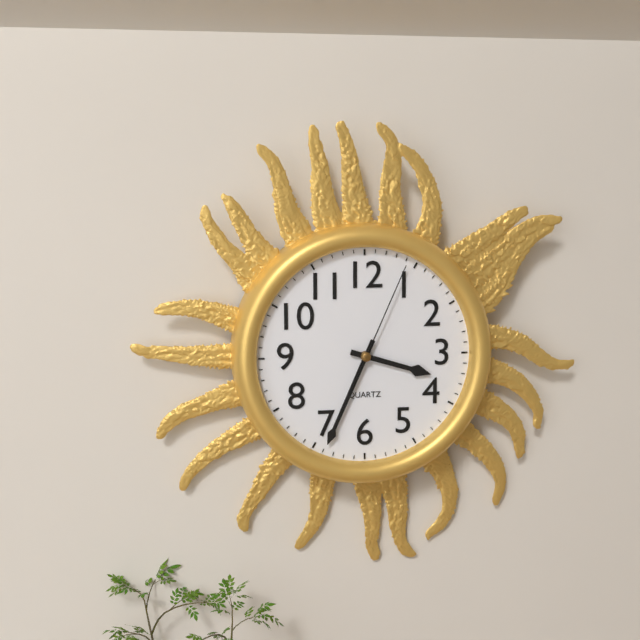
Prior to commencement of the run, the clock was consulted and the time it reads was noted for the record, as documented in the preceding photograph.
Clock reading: 3:34:04
